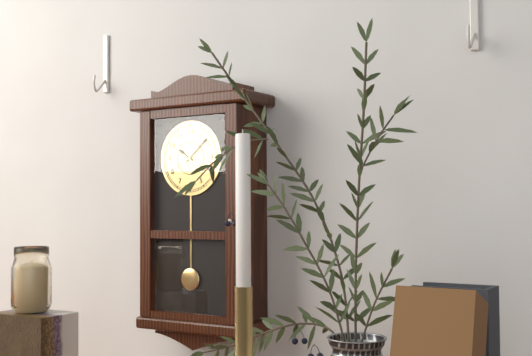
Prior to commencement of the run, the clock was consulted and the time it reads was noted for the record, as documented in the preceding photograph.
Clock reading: 10:08
